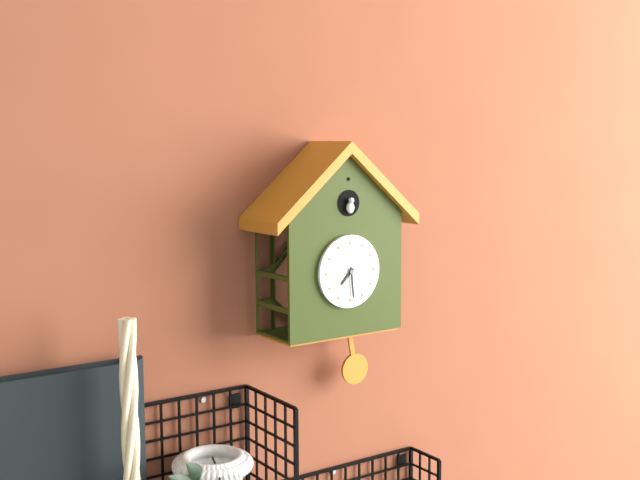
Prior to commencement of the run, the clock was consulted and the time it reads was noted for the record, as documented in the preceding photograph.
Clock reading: 7:29
